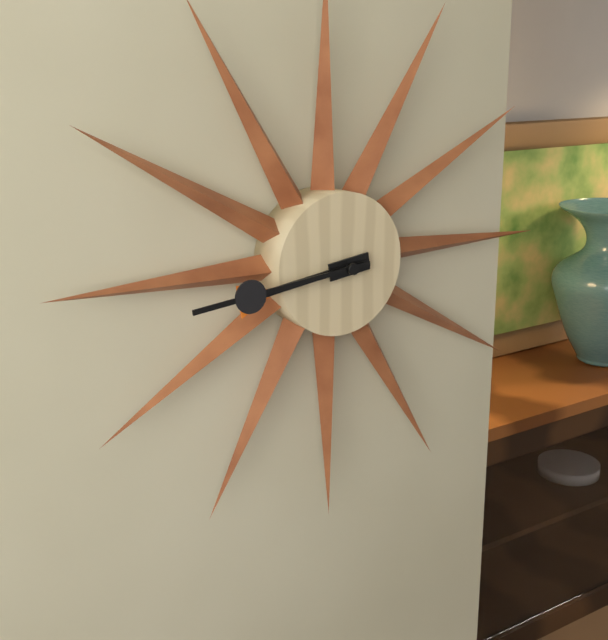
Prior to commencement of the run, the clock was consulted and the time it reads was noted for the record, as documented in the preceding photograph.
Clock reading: 8:44
